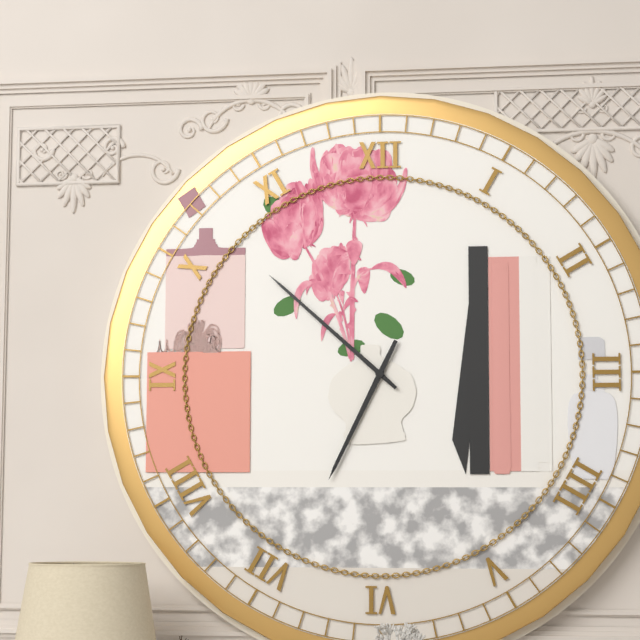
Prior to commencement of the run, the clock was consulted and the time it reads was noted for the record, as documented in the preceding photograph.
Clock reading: 6:52
